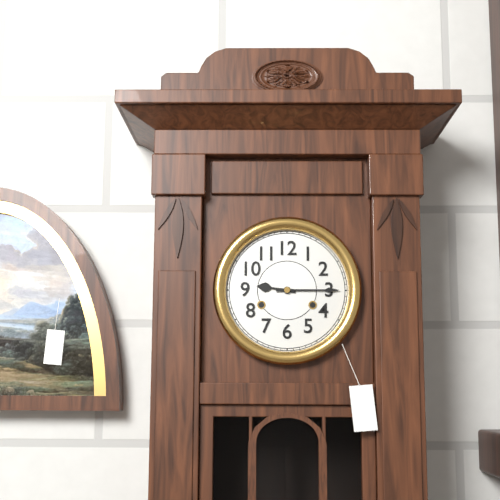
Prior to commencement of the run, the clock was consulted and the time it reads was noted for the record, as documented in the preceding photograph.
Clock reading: 9:15
